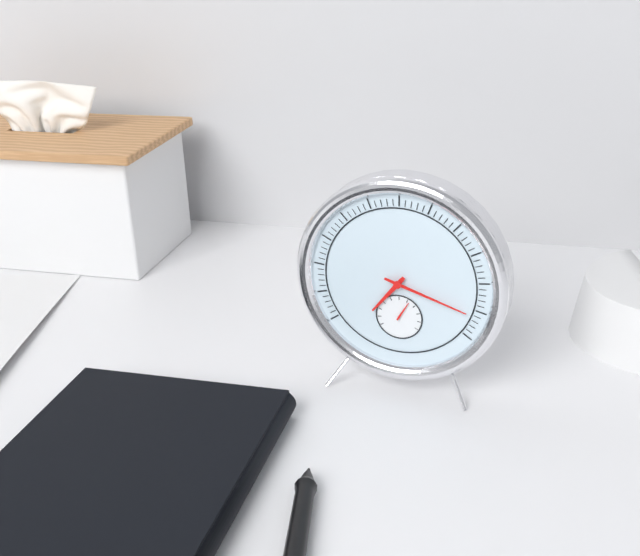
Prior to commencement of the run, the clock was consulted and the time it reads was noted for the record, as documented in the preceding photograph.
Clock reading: 7:18
